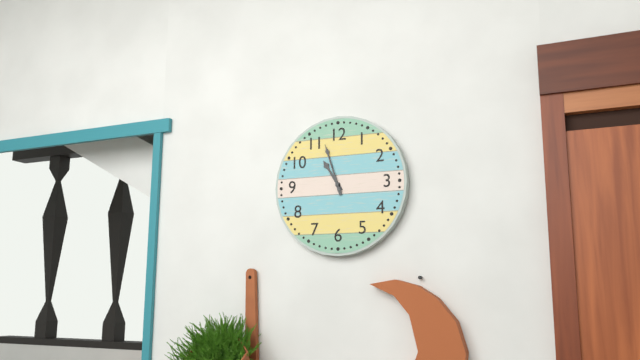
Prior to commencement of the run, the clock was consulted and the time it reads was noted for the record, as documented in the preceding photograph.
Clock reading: 10:57
